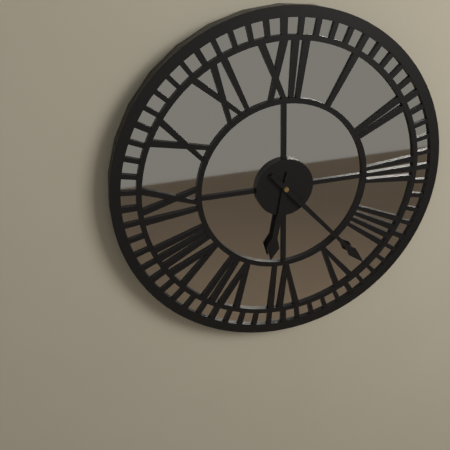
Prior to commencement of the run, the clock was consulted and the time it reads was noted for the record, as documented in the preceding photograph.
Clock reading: 6:23
